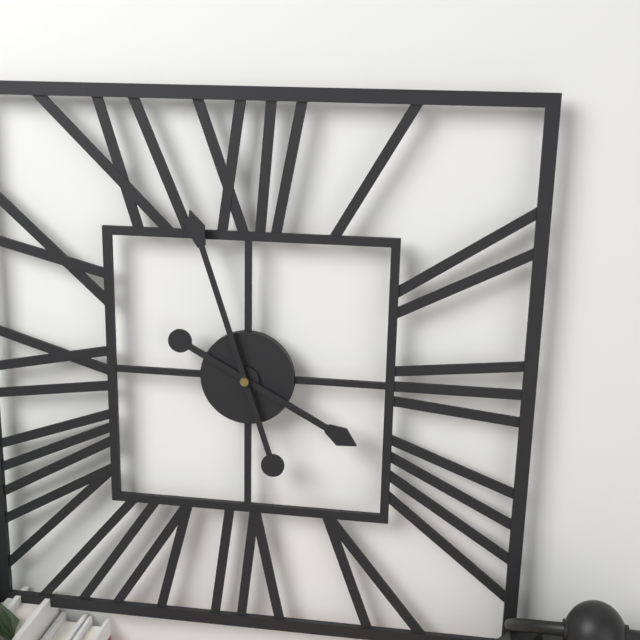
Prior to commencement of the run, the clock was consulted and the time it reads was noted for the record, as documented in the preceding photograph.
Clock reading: 3:57
